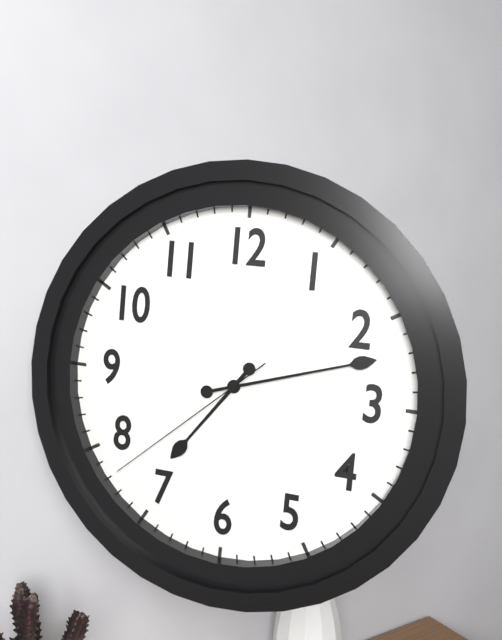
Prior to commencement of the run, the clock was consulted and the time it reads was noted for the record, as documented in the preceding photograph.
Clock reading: 7:12:38
